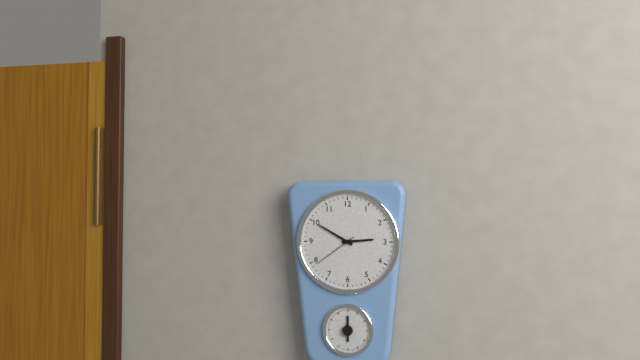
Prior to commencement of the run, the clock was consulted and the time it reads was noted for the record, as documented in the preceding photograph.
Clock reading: 2:50
